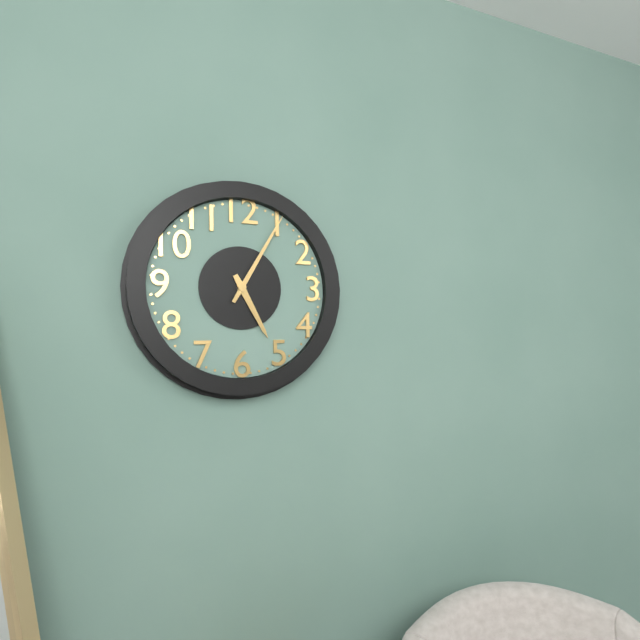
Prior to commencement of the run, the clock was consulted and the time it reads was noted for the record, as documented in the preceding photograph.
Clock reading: 5:05
